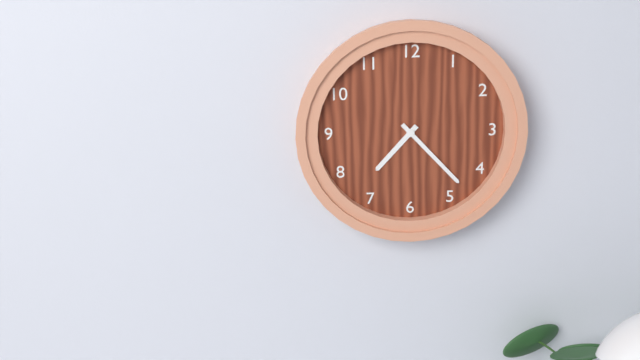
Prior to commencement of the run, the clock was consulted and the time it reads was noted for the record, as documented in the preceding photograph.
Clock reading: 7:23
